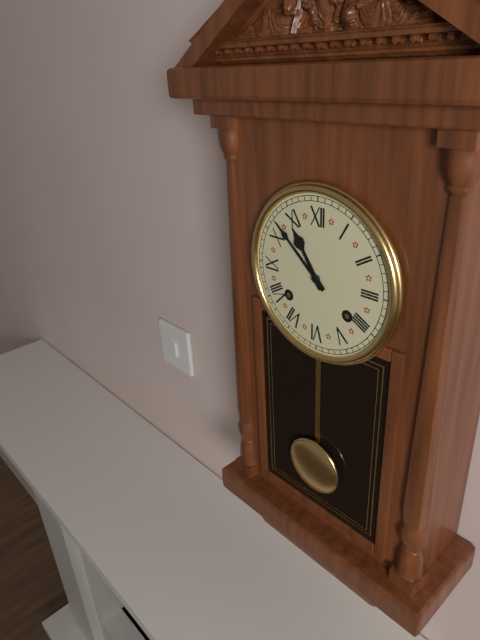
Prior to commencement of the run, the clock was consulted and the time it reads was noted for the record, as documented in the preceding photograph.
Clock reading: 10:52
